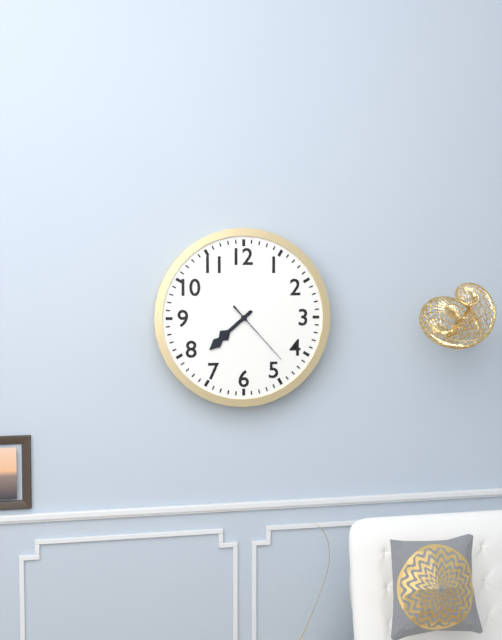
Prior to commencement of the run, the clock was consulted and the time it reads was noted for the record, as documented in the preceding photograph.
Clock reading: 7:38:23
